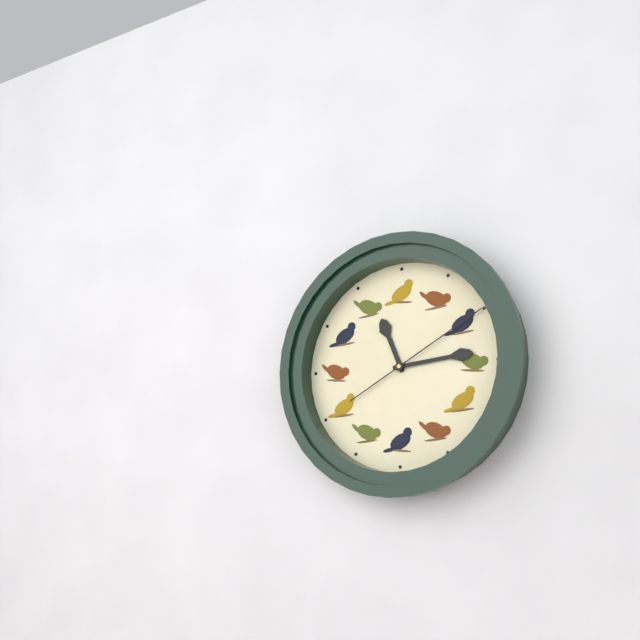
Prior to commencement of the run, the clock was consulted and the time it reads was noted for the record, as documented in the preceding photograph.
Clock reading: 11:14:10
